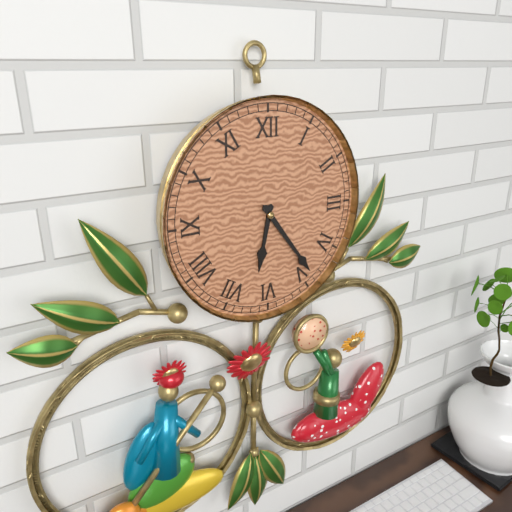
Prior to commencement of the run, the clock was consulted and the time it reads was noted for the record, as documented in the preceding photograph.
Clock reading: 6:24
